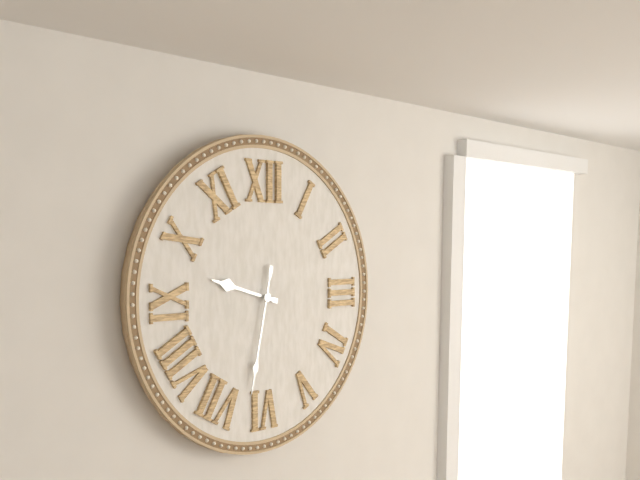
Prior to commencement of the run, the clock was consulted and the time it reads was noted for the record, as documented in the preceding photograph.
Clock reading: 9:32
